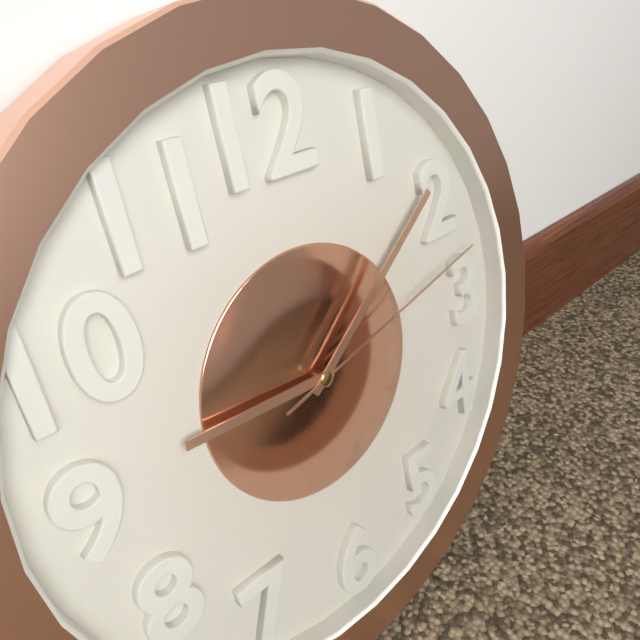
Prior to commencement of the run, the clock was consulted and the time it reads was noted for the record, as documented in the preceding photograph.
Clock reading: 9:09:13
